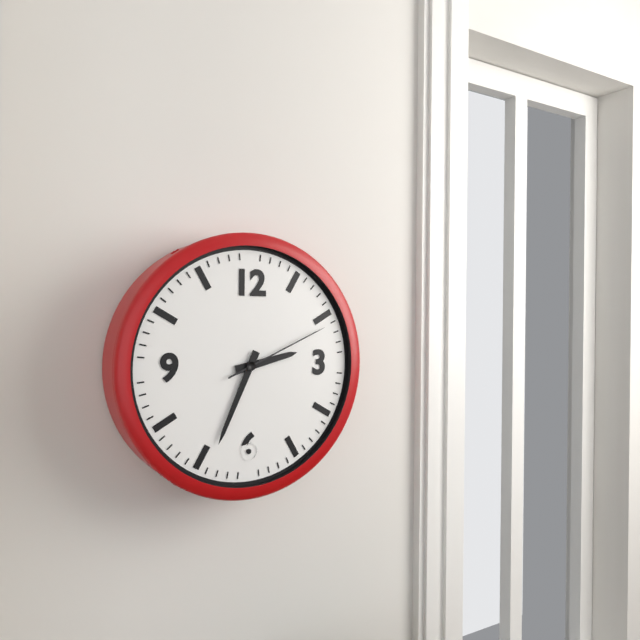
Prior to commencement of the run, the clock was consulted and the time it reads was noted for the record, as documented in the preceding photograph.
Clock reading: 2:34:11
